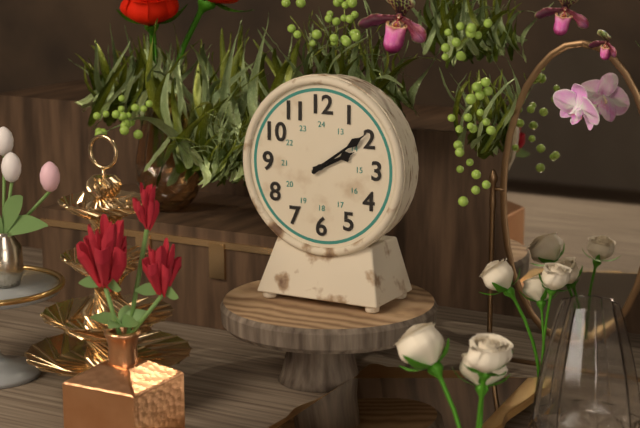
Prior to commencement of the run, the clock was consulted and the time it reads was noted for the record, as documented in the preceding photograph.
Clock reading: 2:09
